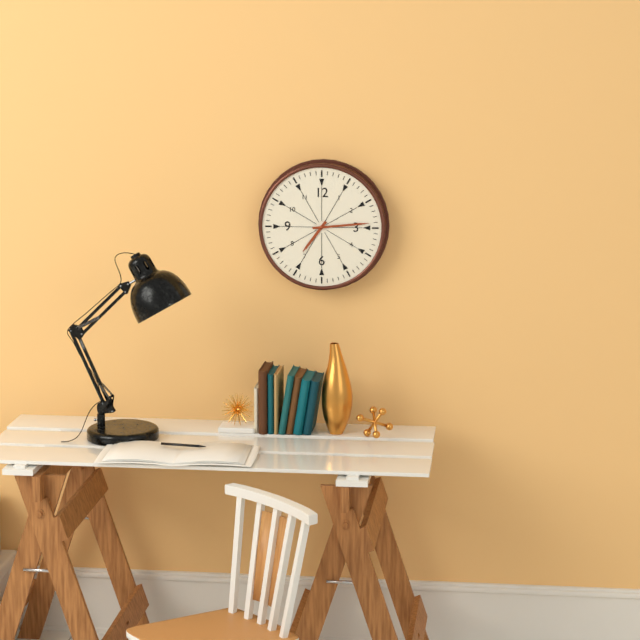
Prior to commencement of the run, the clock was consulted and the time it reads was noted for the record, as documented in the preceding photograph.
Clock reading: 7:14
